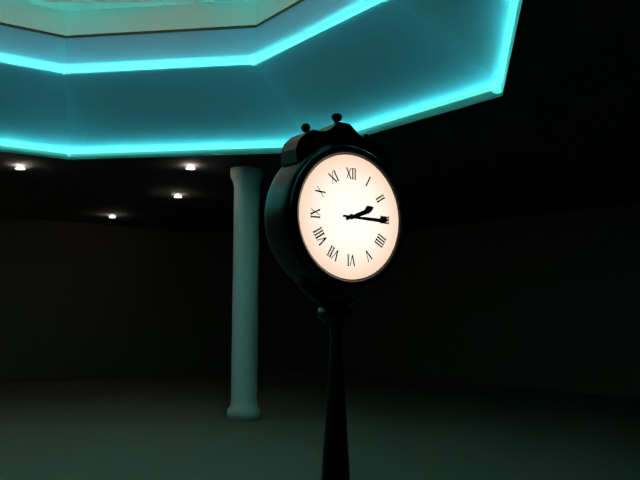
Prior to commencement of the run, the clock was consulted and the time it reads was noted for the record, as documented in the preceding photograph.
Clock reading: 2:15
